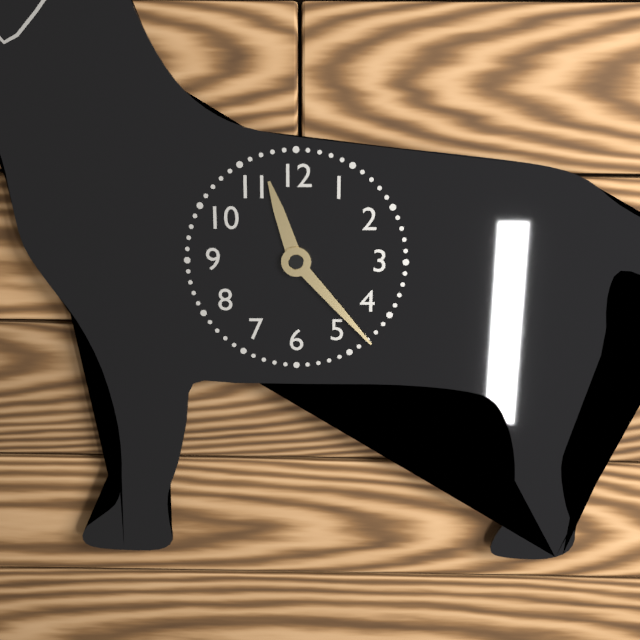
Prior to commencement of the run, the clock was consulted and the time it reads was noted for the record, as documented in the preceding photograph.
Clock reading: 11:23
